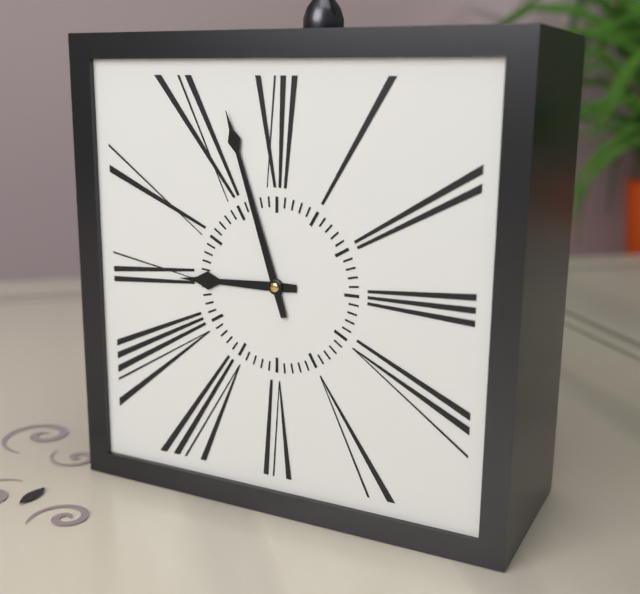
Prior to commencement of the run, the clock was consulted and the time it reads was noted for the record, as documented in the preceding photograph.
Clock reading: 8:57
